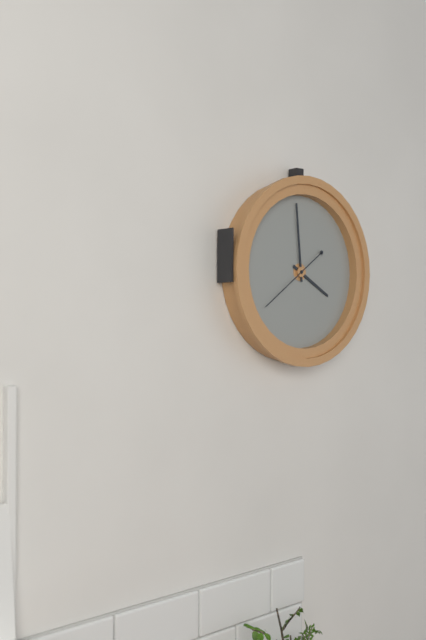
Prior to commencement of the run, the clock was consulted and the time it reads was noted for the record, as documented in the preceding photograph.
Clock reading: 3:59:39
